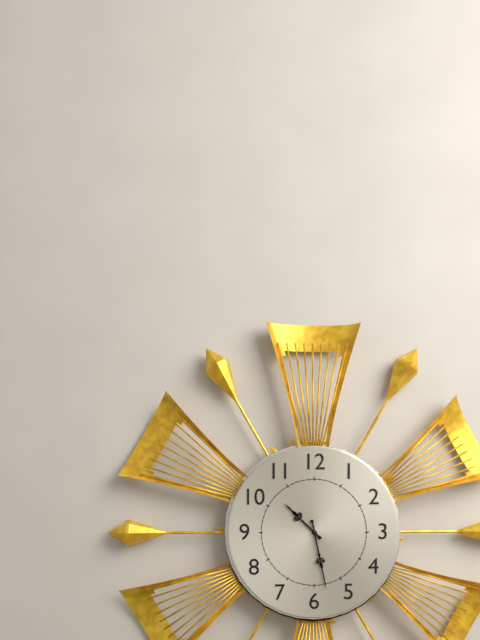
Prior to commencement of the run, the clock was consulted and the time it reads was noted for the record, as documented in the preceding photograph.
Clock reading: 10:28
